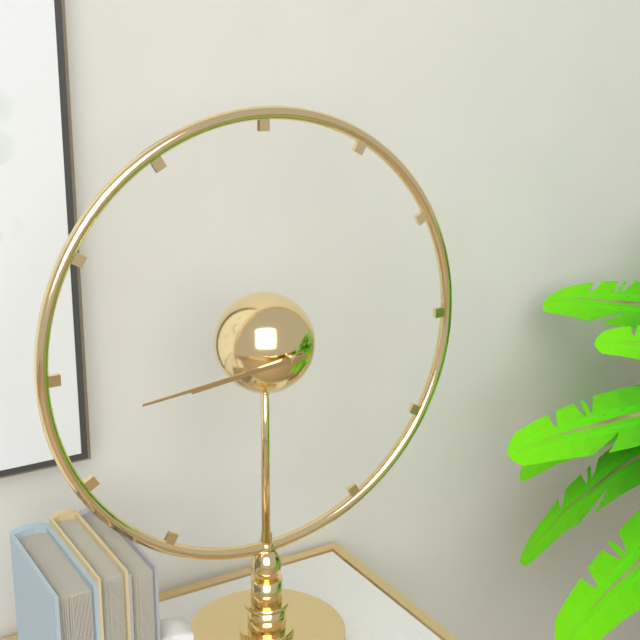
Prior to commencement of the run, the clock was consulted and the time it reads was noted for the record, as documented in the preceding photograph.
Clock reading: 8:44
